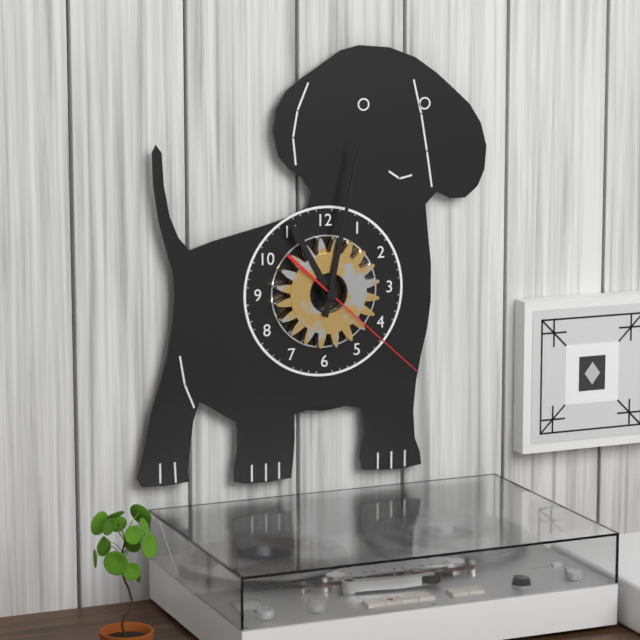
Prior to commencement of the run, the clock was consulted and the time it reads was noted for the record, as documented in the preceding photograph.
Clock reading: 11:02:22
